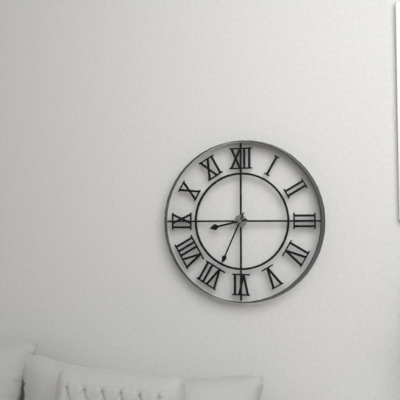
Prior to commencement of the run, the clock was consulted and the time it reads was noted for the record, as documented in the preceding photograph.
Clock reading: 8:34
